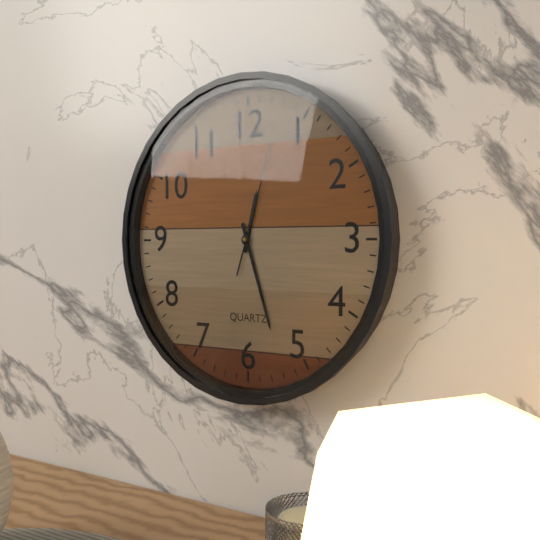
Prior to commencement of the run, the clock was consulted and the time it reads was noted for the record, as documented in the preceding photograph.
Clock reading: 12:27:03
